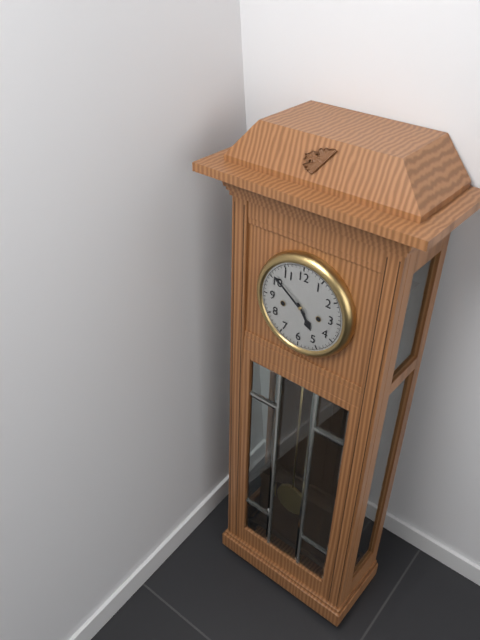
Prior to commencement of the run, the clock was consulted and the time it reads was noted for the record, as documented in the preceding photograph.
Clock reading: 4:51
